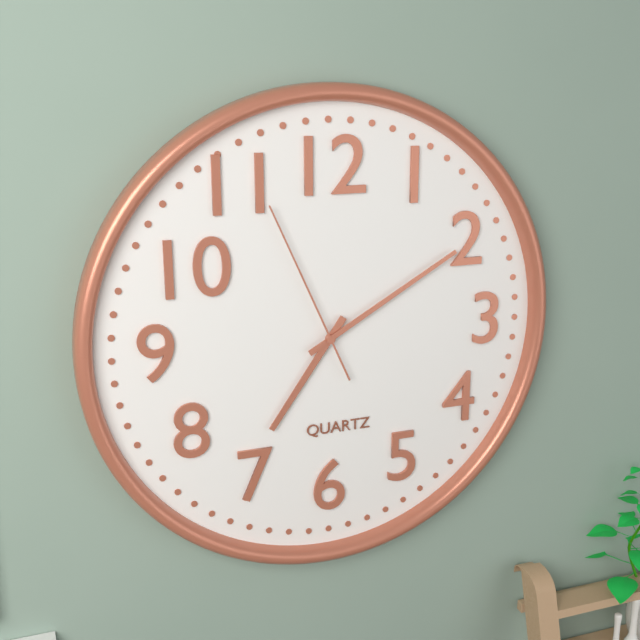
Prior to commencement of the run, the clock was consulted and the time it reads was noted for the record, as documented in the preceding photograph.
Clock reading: 7:10:56
